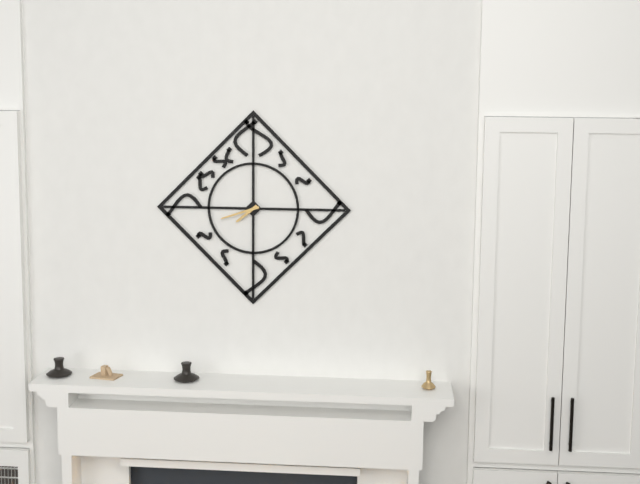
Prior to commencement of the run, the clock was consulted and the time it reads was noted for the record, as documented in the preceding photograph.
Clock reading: 7:42
